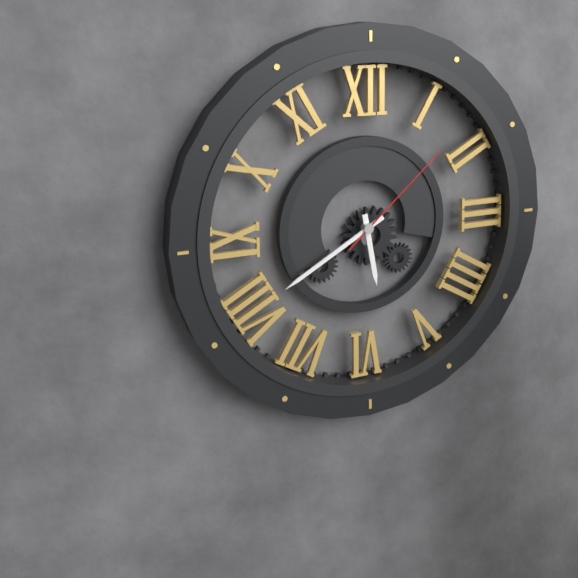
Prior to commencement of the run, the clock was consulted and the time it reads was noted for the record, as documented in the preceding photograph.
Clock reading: 5:40:08
